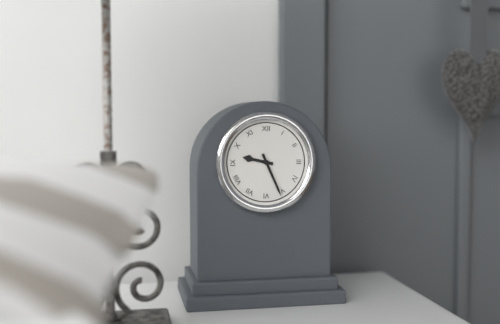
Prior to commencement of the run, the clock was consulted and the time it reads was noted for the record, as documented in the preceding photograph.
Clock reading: 9:26
